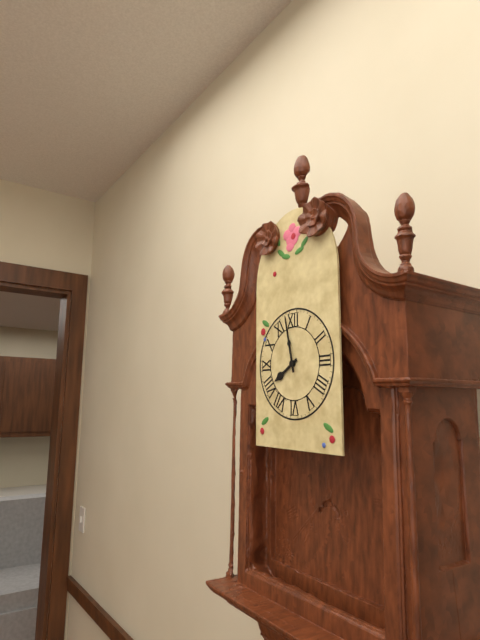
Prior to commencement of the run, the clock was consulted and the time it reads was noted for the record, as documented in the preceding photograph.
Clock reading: 7:58
